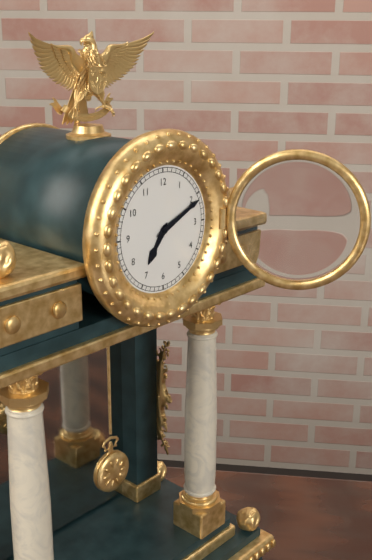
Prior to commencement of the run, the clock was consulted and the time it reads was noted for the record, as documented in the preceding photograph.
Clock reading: 7:11
